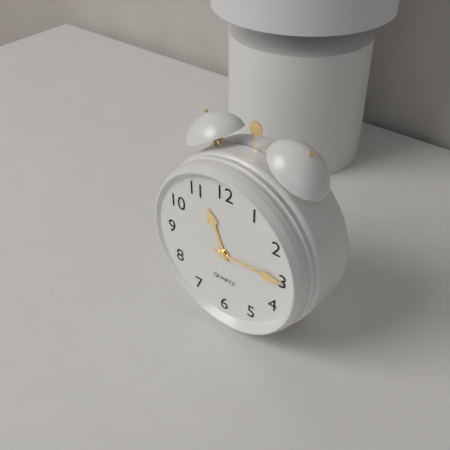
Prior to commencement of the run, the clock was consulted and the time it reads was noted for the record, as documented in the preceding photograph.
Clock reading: 11:15
